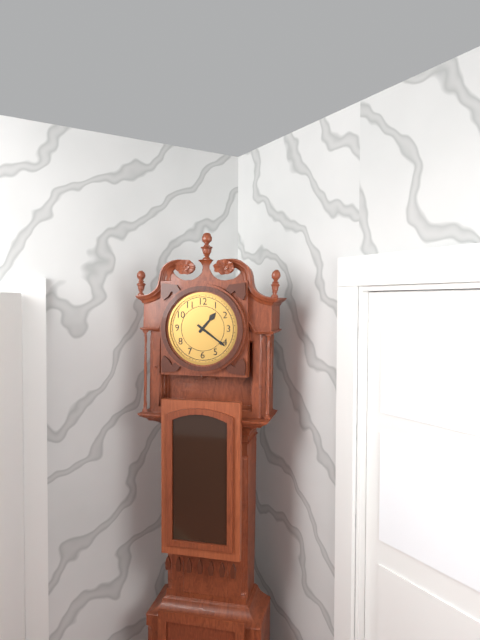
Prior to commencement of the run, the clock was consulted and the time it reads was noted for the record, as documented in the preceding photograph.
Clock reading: 1:21
